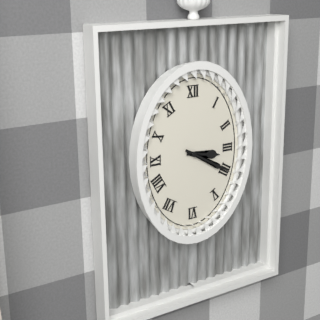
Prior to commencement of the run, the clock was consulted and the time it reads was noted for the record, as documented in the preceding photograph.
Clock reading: 3:20
